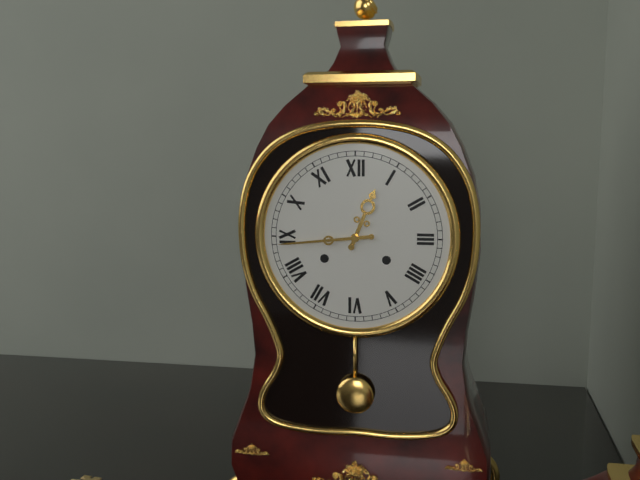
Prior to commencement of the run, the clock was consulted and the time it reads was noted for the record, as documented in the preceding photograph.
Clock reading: 12:44
